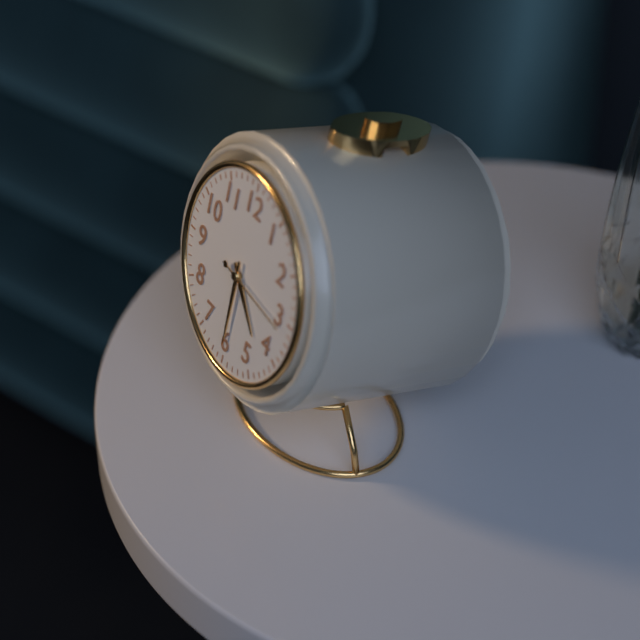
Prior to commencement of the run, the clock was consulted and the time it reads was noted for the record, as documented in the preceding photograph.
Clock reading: 4:30:16
